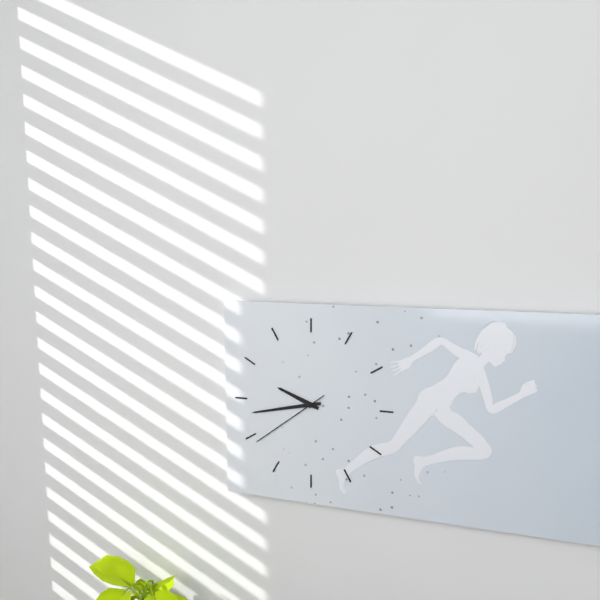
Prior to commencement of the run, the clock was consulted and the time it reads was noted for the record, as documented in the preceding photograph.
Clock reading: 9:43:39
